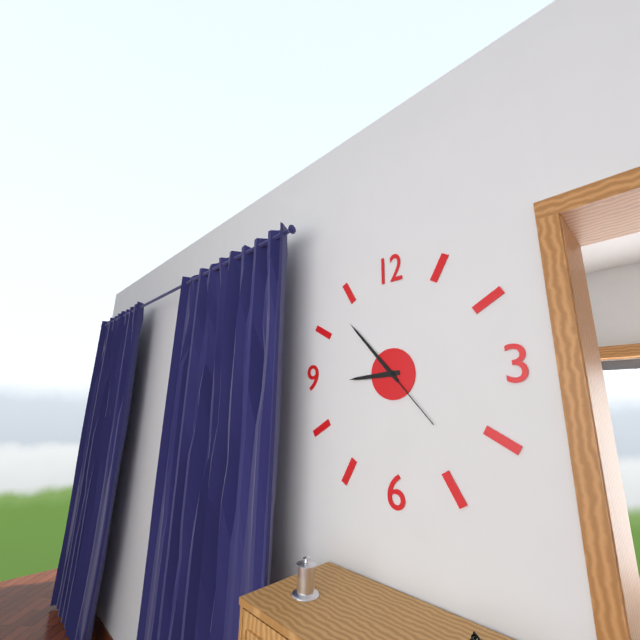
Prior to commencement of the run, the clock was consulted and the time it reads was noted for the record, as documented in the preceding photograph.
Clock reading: 8:53:23
